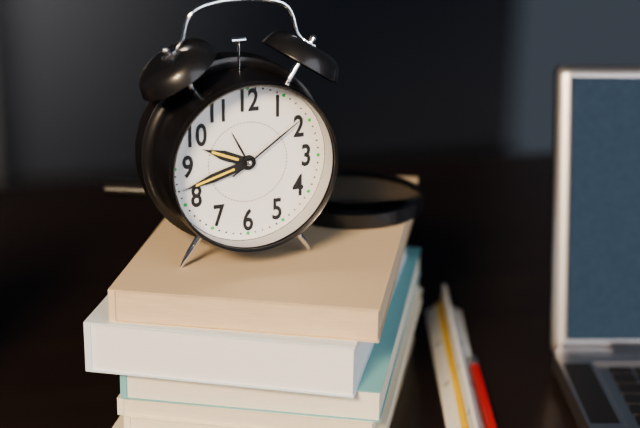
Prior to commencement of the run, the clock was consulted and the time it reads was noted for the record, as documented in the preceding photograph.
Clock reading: 9:42:09
